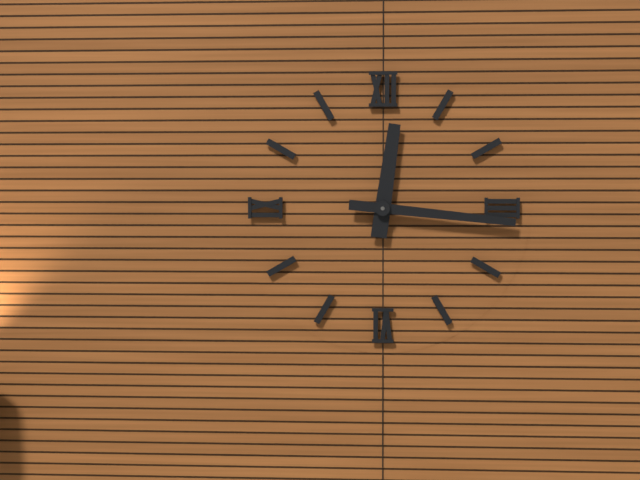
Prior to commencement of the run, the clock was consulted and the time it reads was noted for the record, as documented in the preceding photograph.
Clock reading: 12:16
